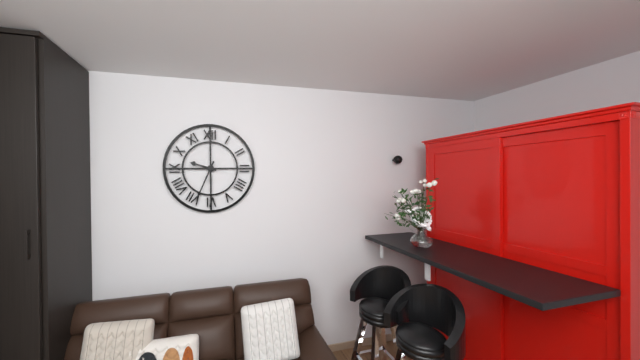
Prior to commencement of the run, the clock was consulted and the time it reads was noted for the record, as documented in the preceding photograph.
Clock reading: 9:34
